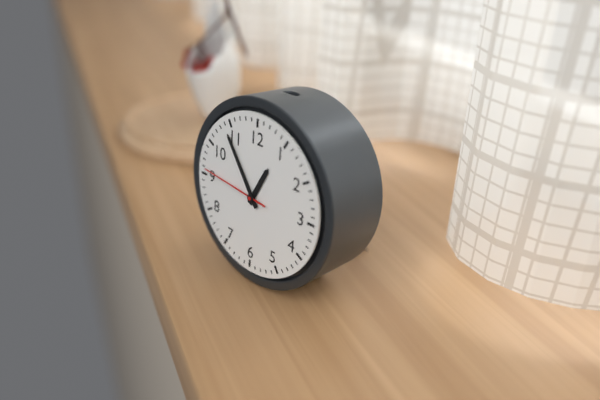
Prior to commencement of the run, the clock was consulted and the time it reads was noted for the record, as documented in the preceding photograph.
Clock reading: 12:54:46
